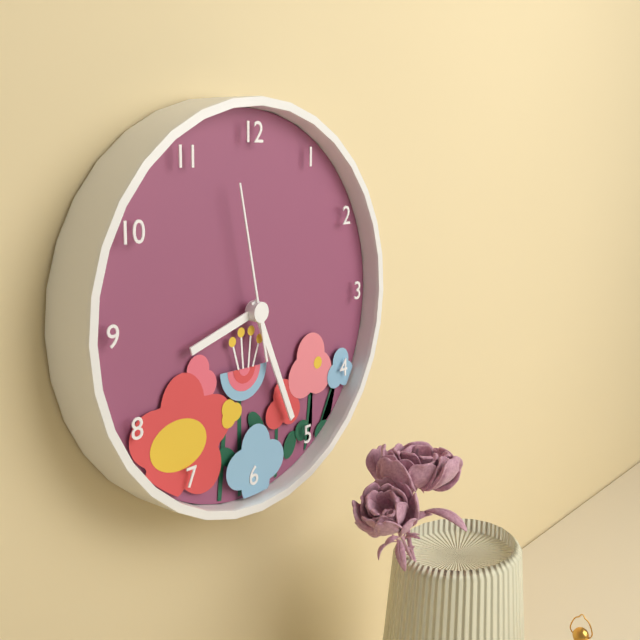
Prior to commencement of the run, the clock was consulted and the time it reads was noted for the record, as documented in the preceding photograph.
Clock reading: 8:26:58
